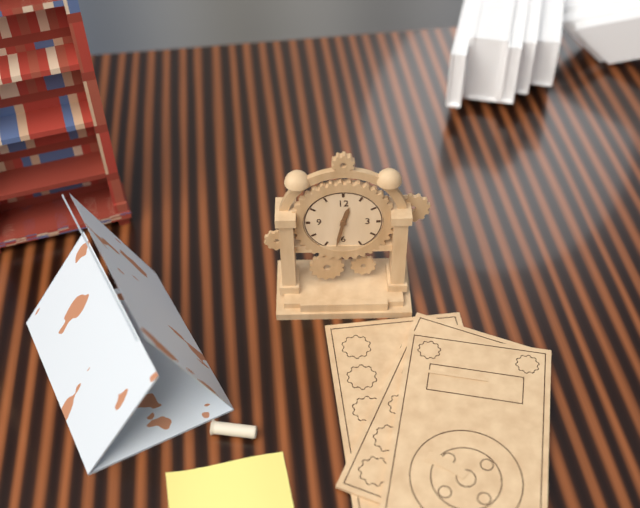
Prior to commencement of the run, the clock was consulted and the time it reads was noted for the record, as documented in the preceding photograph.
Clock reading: 12:32
